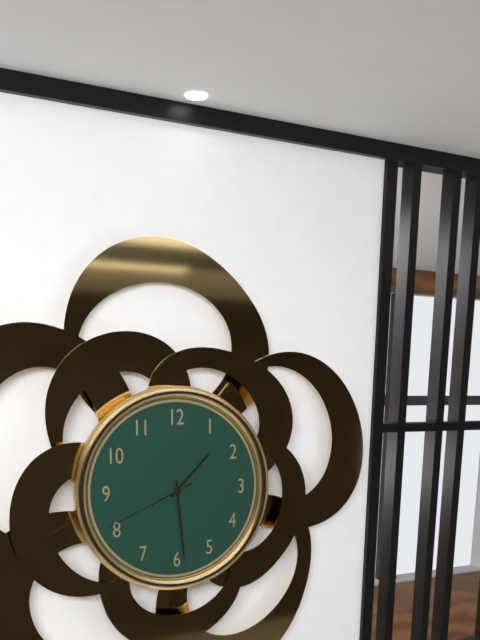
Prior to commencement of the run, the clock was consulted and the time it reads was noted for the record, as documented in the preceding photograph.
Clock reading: 1:29:41
